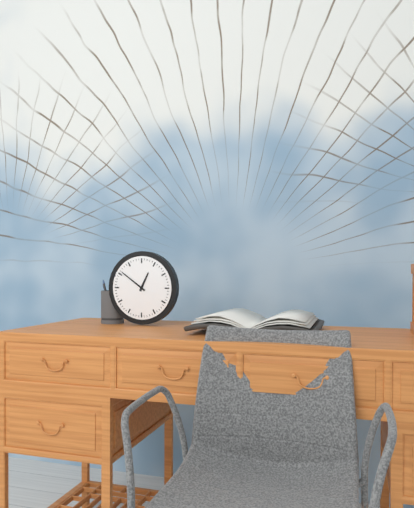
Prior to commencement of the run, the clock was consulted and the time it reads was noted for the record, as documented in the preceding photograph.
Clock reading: 12:51
